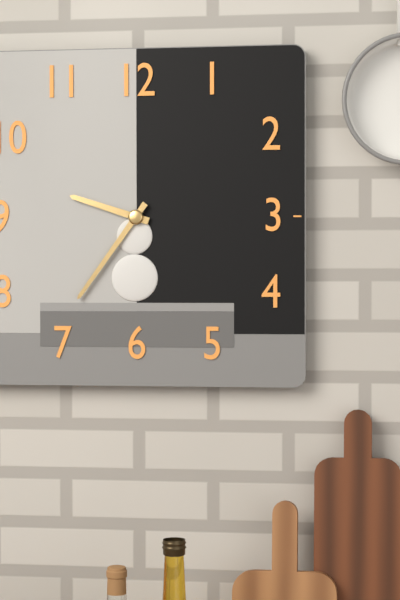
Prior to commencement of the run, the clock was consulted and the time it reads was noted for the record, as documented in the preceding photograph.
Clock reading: 9:36
